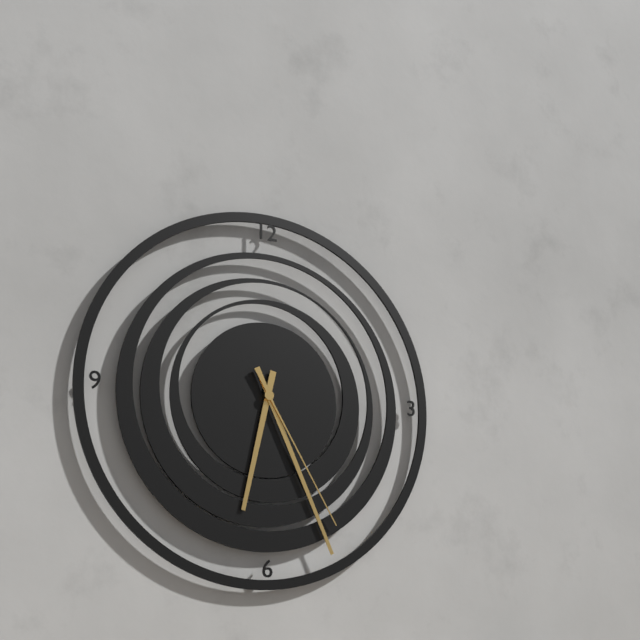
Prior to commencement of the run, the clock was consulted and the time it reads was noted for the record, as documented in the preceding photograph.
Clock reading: 6:26:25
